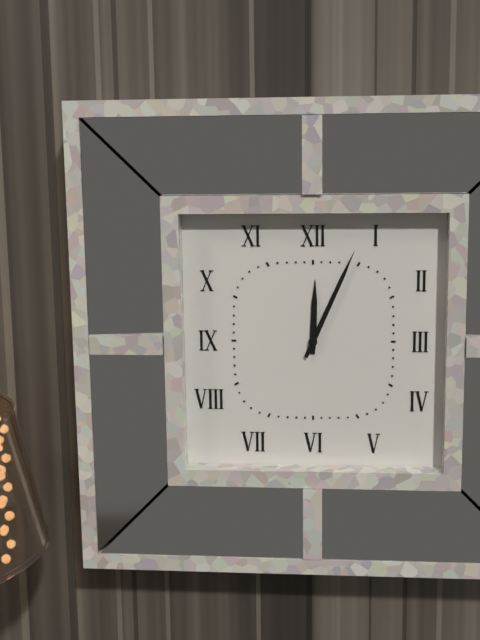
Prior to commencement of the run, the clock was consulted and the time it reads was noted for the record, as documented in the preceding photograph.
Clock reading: 12:04
